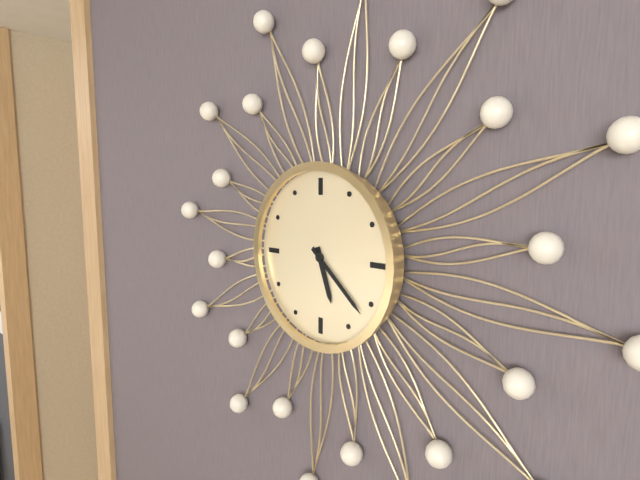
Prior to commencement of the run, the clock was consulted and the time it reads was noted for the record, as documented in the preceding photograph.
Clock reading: 5:22
